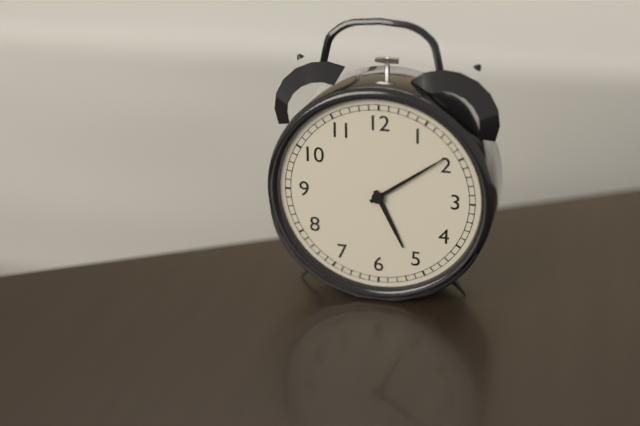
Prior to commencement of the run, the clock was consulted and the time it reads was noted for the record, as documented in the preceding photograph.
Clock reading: 5:09
